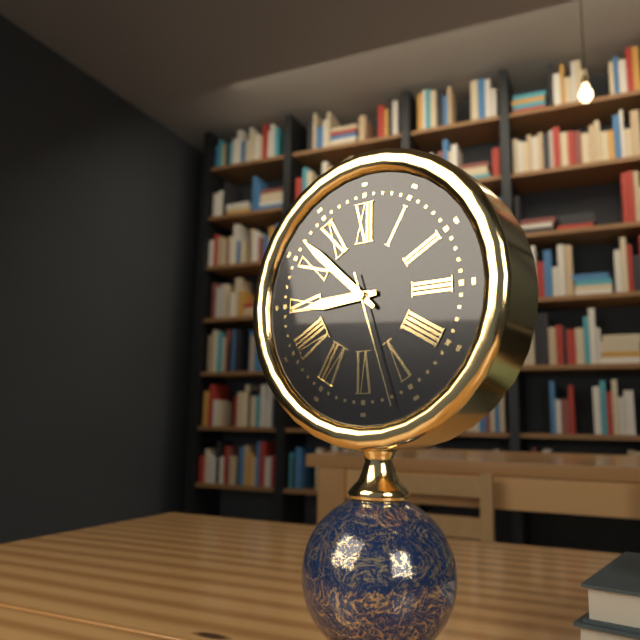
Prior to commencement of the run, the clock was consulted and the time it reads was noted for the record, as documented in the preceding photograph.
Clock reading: 8:52:27
